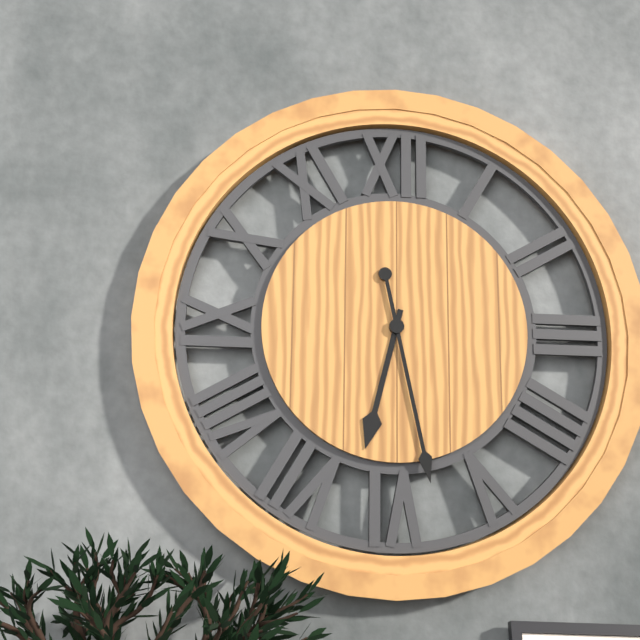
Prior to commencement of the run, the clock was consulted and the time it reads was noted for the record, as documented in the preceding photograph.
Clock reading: 6:28
